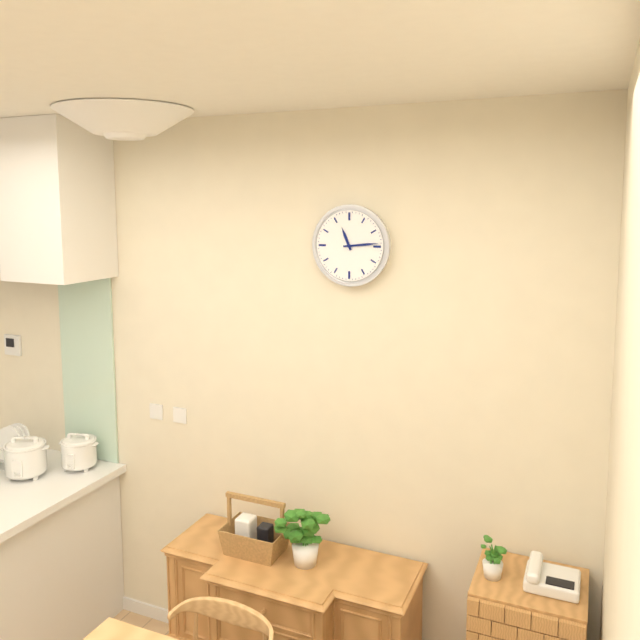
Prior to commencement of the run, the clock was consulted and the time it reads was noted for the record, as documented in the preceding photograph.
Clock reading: 11:14
